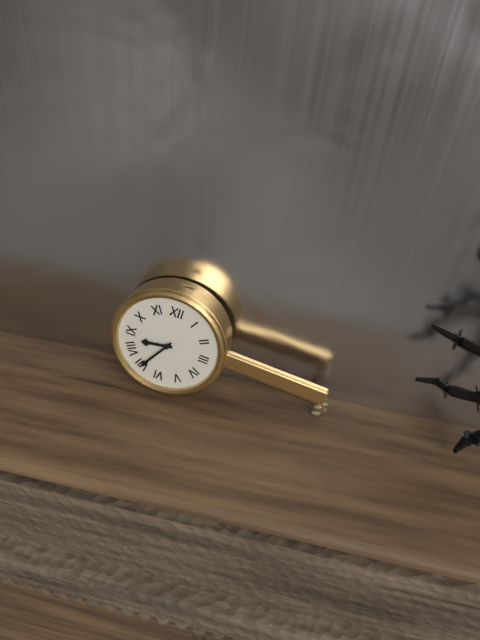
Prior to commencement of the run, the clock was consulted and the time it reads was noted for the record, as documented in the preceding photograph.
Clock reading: 8:35
